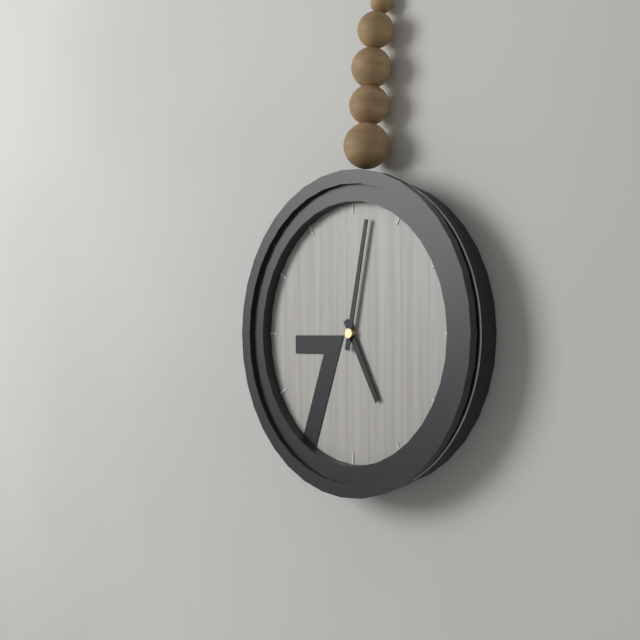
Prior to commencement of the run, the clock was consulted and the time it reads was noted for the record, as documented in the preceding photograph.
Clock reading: 5:02
